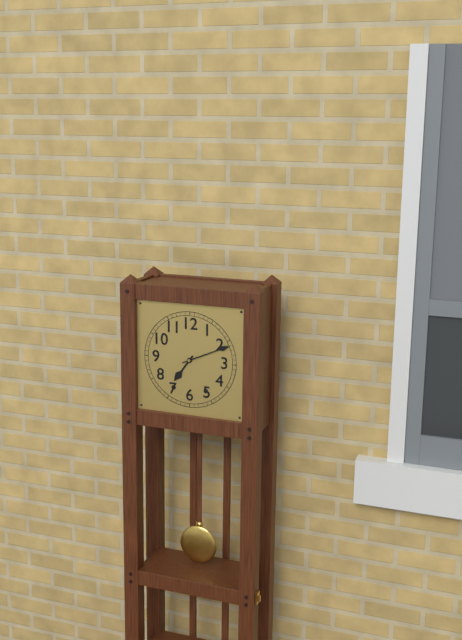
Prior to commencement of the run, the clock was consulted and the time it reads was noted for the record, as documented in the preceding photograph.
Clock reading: 7:11
